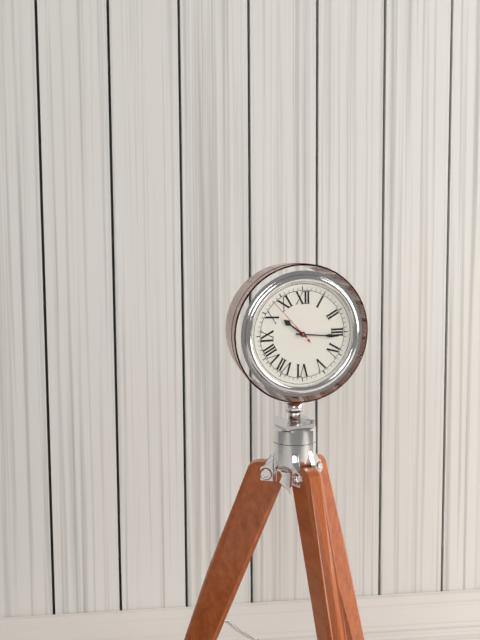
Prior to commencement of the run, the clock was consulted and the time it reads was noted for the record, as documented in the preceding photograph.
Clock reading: 10:16
